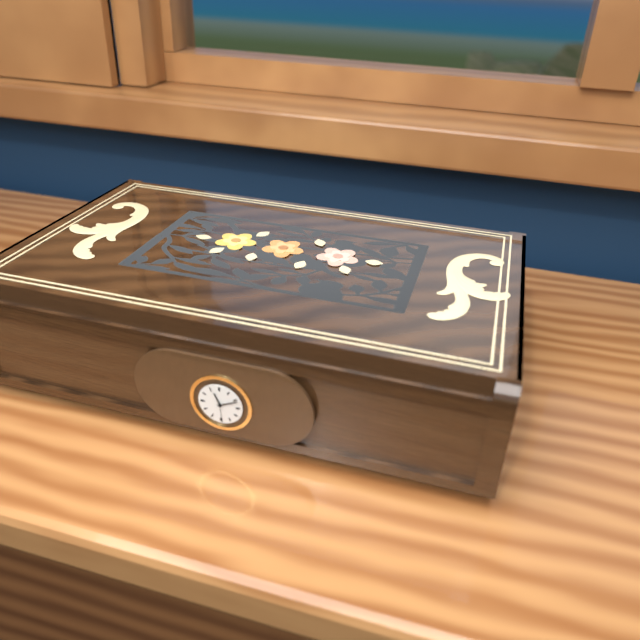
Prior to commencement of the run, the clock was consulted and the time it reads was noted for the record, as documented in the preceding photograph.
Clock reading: 11:11:29
